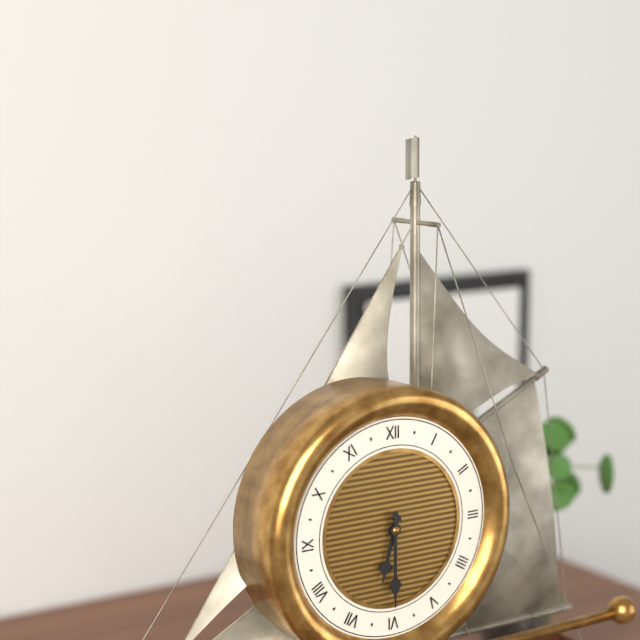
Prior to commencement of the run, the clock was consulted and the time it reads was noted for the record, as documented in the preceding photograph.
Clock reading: 6:30
